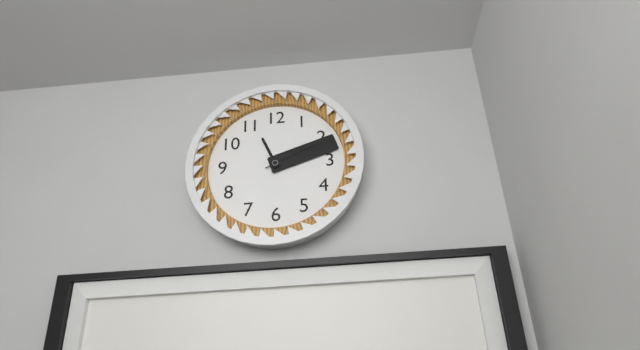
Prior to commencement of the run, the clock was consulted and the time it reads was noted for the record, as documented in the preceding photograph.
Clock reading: 11:12:11
